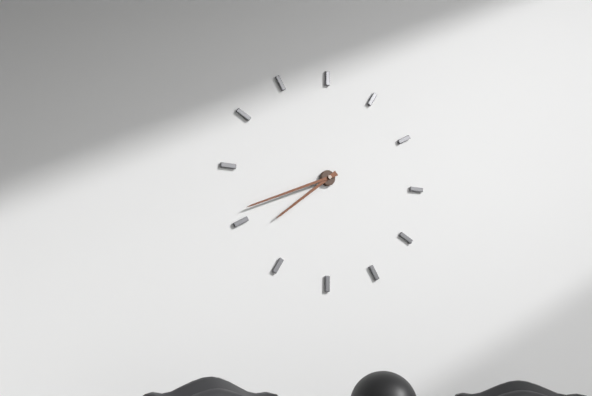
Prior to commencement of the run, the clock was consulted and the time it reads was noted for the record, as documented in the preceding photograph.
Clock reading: 7:41
